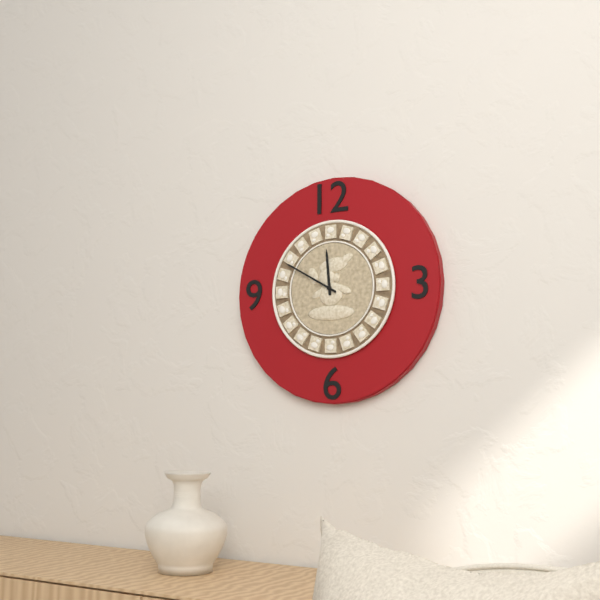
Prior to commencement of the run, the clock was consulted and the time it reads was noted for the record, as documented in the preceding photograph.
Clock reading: 11:50
